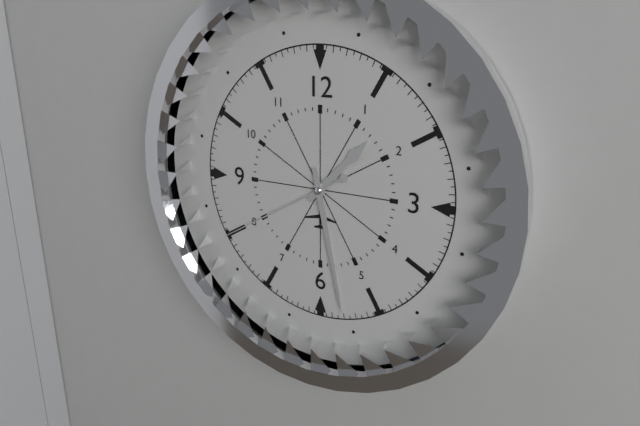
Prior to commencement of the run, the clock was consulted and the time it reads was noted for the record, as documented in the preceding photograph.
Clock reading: 1:28:40
